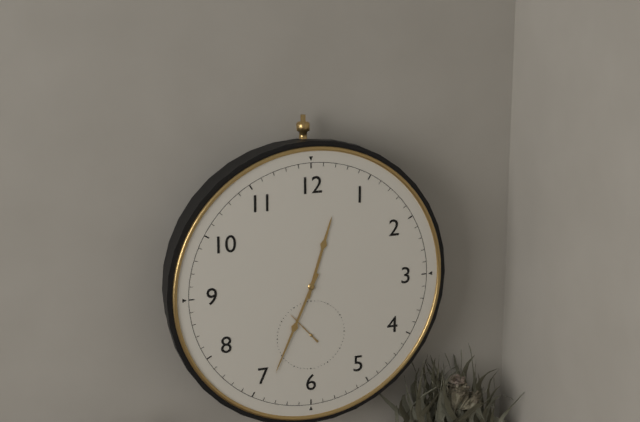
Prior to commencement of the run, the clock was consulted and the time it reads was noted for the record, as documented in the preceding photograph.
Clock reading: 12:34
